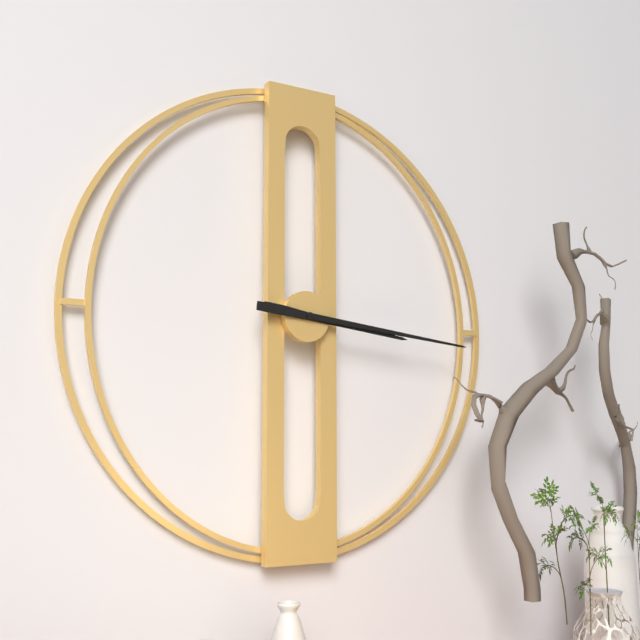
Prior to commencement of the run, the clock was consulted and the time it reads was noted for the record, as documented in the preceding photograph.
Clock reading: 3:16
